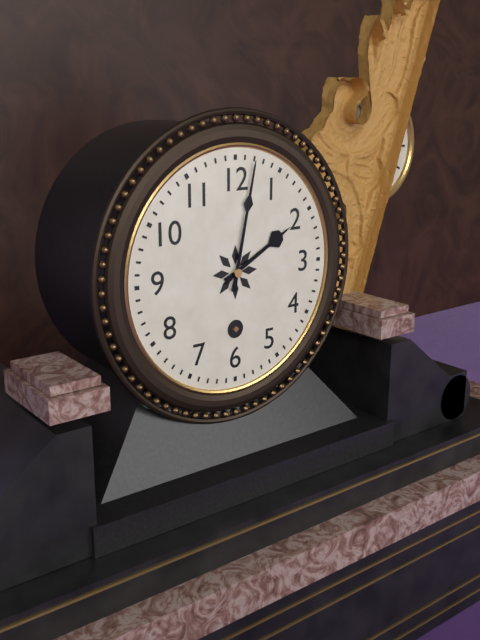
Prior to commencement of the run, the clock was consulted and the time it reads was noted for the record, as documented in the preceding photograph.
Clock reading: 2:02
